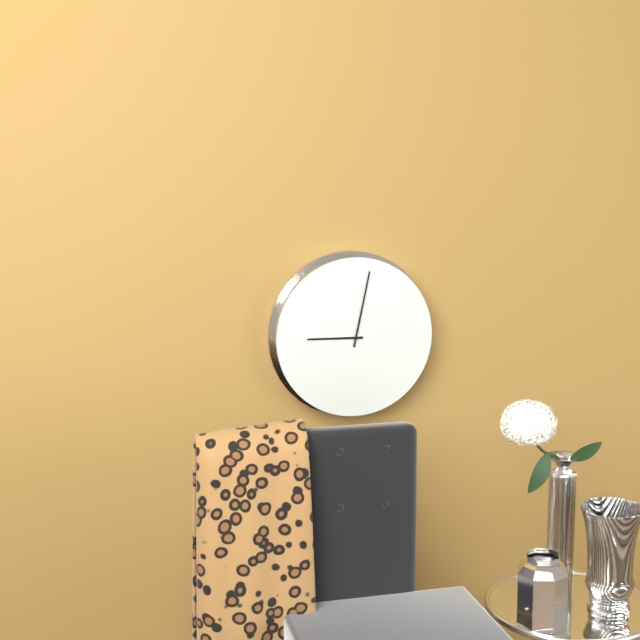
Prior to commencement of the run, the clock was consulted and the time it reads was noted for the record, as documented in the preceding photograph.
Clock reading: 9:02
